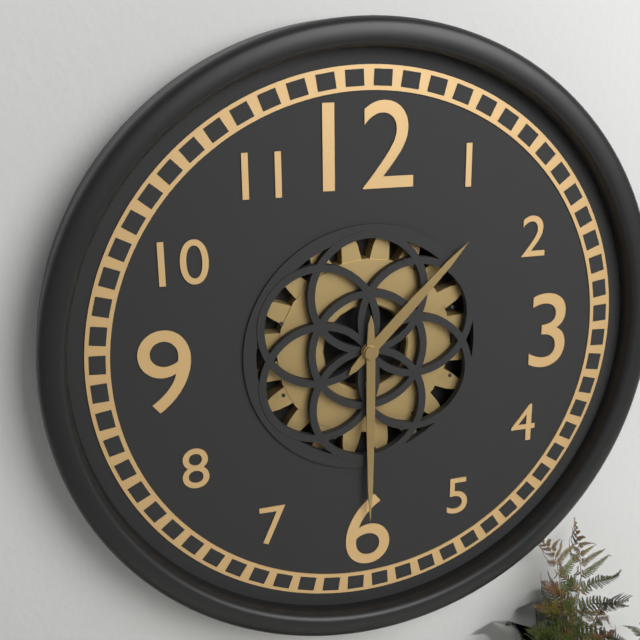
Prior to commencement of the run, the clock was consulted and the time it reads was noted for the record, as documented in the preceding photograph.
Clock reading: 1:30
